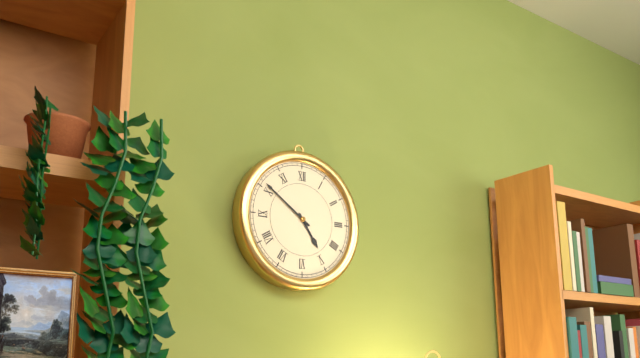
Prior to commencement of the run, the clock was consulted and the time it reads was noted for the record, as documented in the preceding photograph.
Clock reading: 4:51
